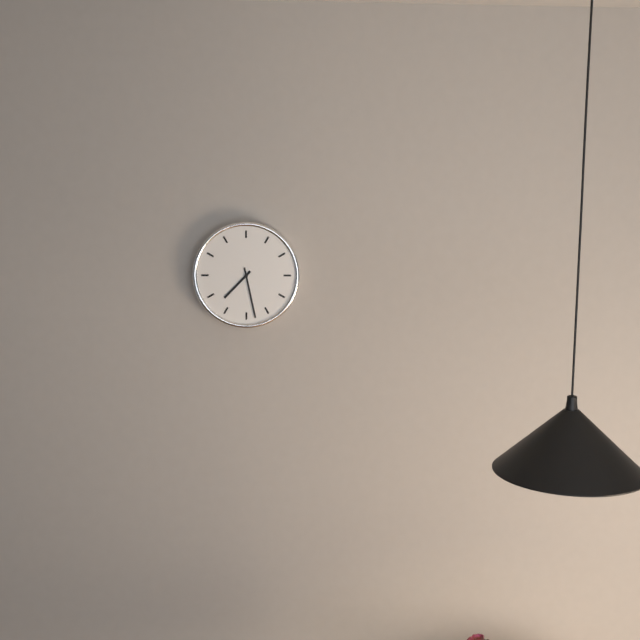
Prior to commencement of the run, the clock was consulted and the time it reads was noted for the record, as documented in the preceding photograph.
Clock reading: 7:28
